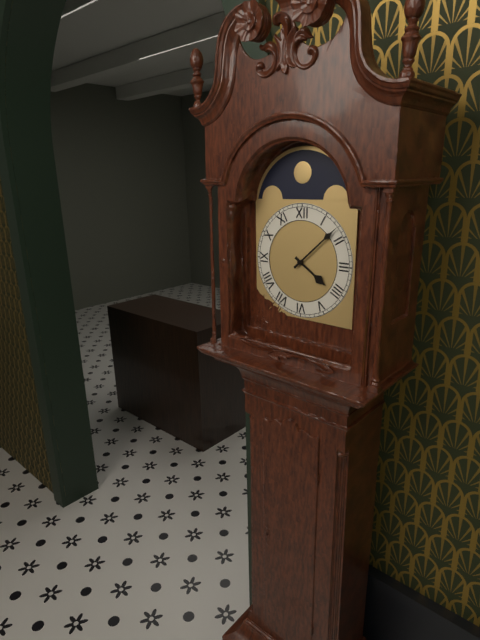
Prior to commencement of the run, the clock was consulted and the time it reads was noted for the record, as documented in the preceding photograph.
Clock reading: 4:08
